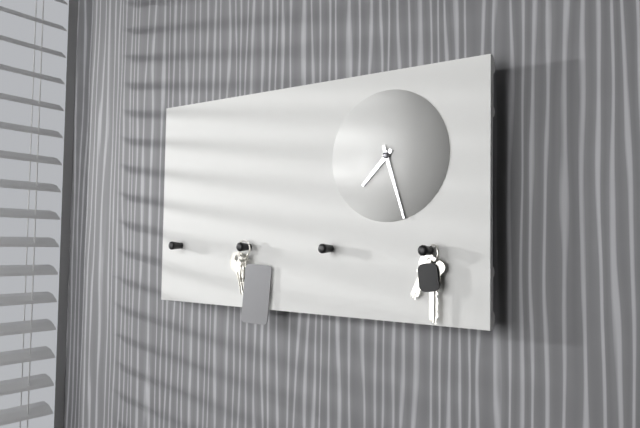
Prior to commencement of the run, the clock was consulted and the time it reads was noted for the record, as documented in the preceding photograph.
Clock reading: 7:27
